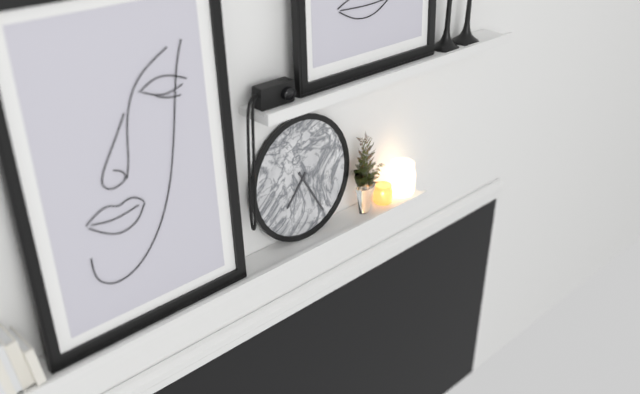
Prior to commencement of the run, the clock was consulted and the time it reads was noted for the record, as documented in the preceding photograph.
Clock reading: 7:25
